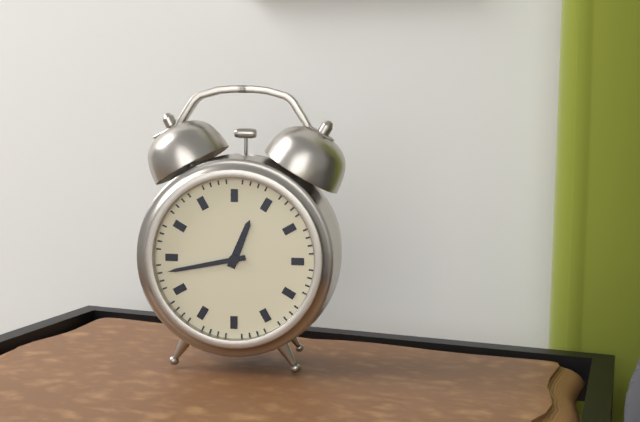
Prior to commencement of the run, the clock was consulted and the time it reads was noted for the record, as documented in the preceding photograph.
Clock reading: 12:43
